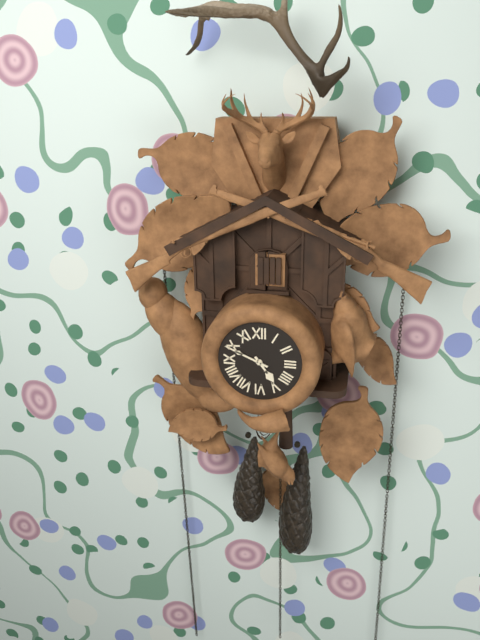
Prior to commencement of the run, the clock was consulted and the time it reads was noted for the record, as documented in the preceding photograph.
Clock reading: 4:49
